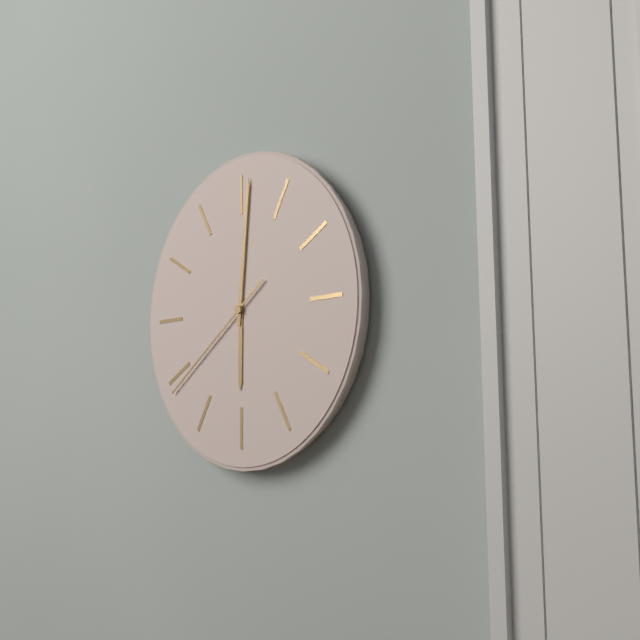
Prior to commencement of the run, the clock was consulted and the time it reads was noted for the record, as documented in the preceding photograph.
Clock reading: 6:01:39
